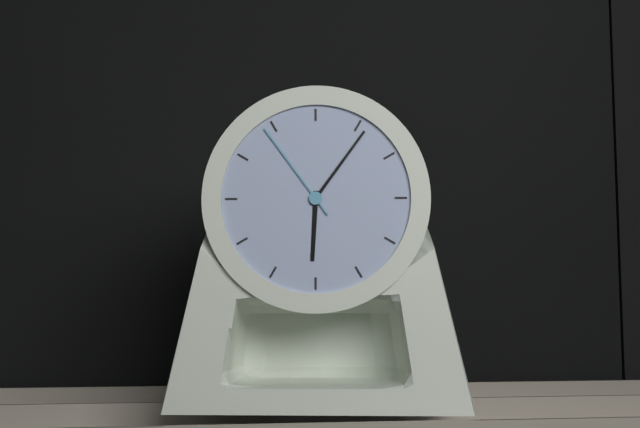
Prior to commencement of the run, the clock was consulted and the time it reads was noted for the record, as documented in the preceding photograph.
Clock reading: 6:06:54
